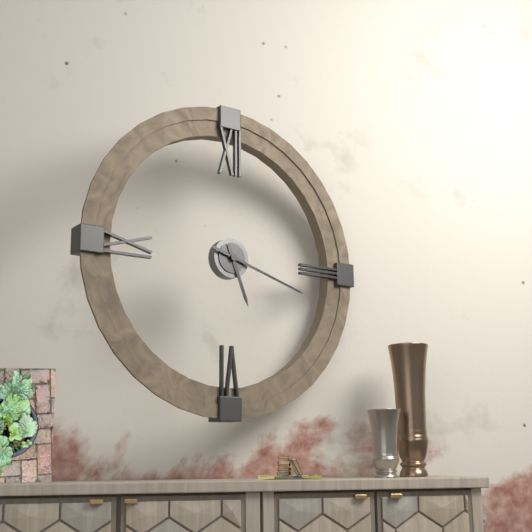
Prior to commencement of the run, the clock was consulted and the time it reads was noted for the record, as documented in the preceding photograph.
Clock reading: 5:18
